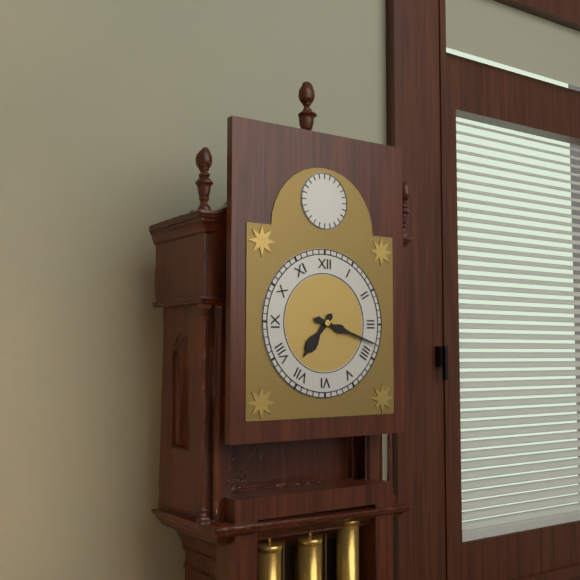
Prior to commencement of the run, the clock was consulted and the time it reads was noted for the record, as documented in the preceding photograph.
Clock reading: 7:18
